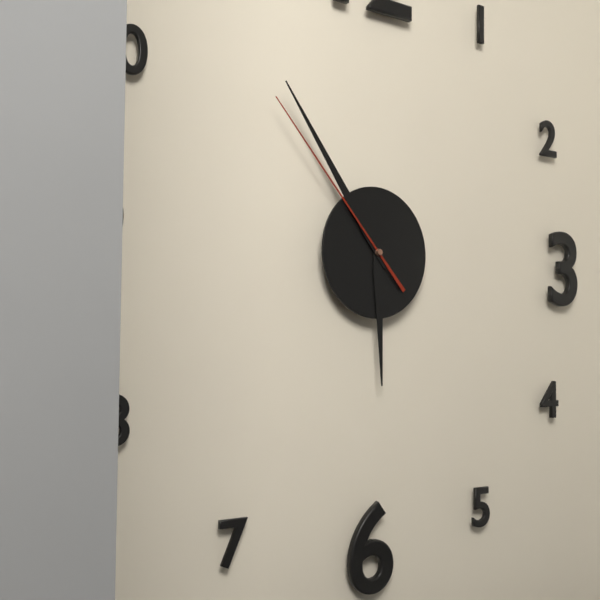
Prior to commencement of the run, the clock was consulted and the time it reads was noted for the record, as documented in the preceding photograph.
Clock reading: 5:54:53
